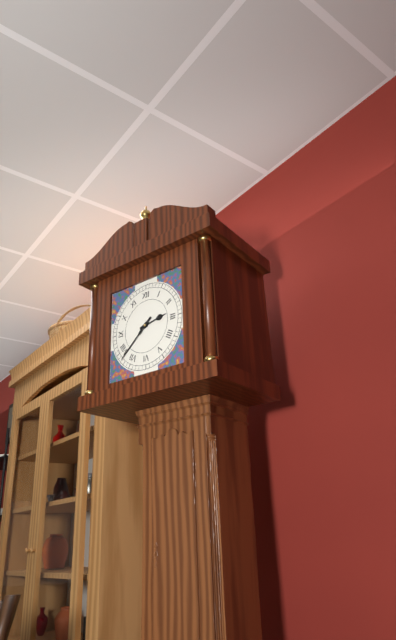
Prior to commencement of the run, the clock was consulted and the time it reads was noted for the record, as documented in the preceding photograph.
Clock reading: 2:38
